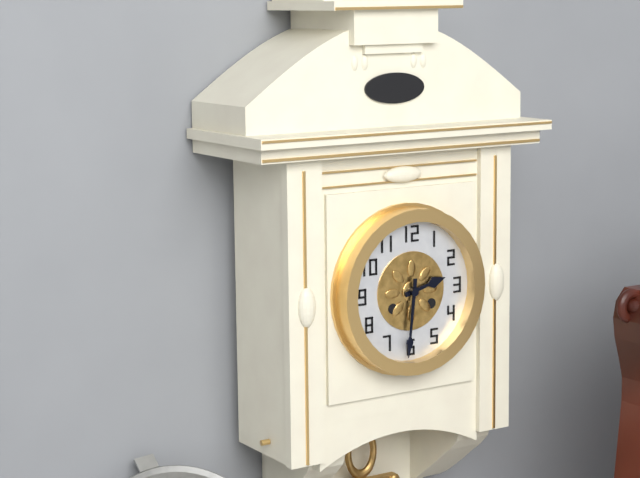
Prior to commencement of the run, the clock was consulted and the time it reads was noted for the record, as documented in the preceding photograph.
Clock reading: 2:31
